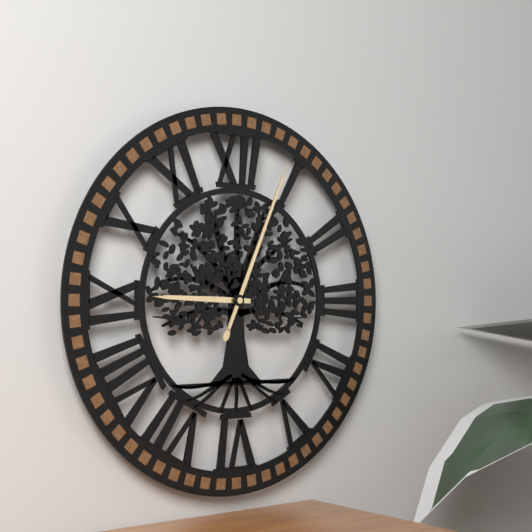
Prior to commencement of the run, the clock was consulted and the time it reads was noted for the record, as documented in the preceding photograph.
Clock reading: 9:04
